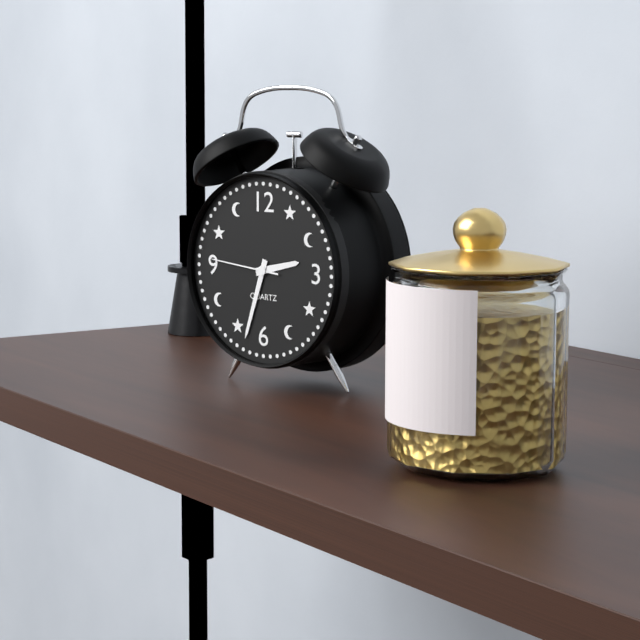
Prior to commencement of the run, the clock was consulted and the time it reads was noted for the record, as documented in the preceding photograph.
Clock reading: 2:33:46
